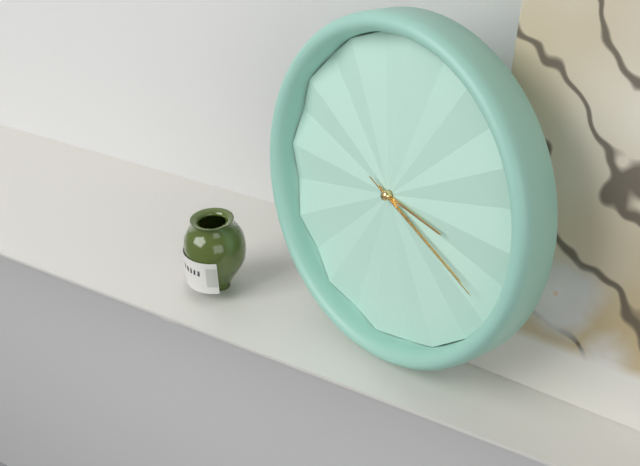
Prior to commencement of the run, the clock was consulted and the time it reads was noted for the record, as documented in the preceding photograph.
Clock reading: 3:19:19
